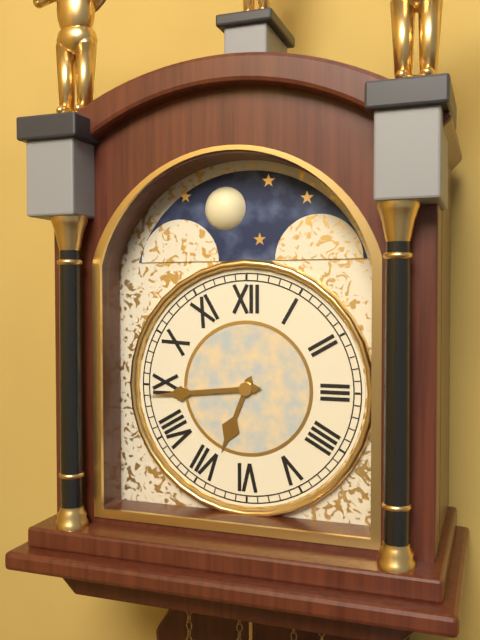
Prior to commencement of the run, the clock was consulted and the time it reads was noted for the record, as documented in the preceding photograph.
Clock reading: 6:44
